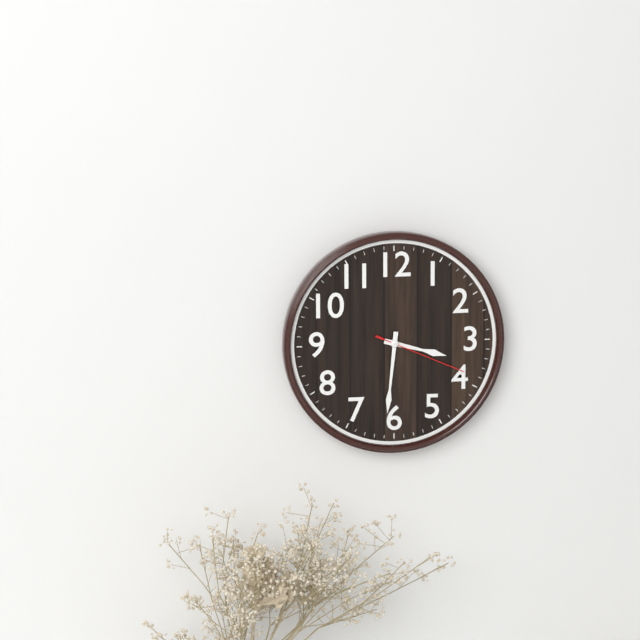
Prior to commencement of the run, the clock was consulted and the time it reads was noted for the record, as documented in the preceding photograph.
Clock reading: 3:31:19
